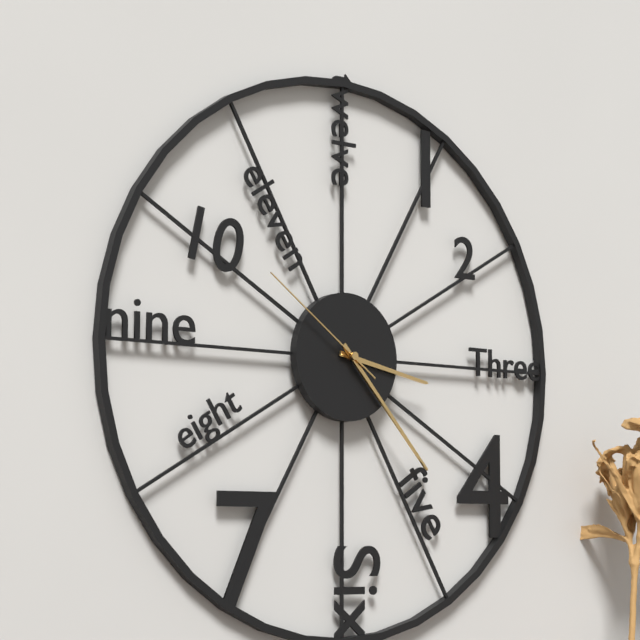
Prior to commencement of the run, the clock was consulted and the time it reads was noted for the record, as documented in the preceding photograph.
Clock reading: 3:23:51
